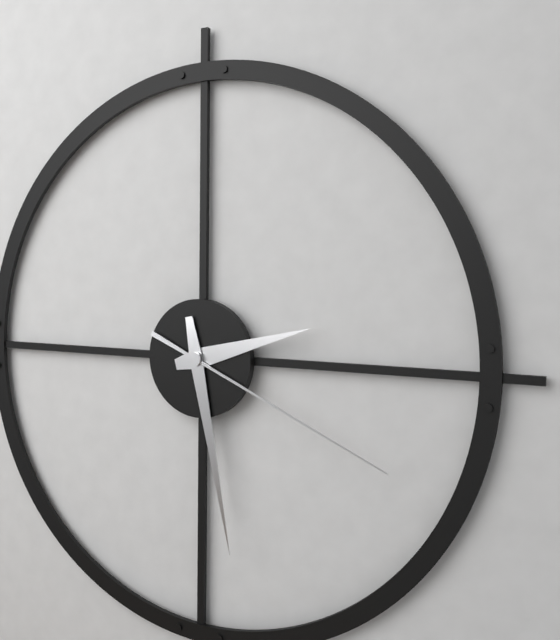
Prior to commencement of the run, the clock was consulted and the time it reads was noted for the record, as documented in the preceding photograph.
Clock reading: 2:28:19
